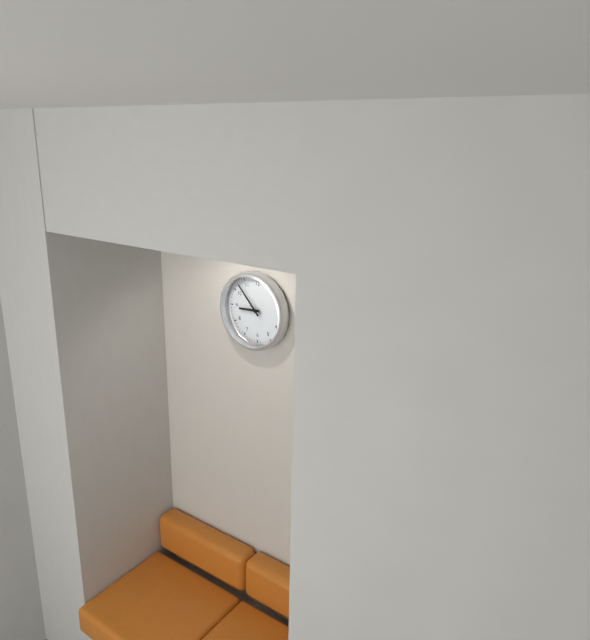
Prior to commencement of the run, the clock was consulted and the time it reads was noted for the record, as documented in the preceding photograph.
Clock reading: 8:53
